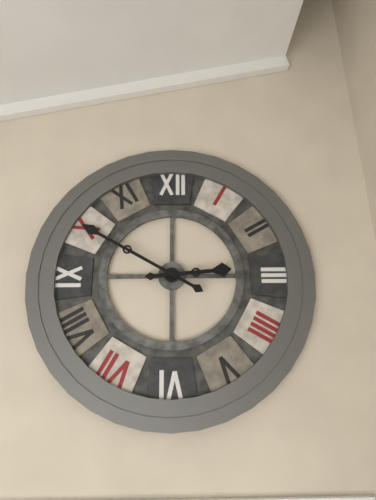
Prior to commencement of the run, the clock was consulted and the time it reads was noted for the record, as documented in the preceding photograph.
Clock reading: 2:50
